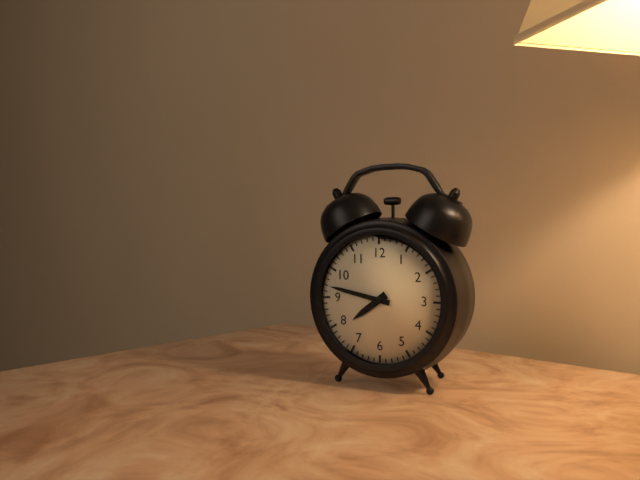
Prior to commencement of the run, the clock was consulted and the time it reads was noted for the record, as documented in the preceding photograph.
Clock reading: 7:47
